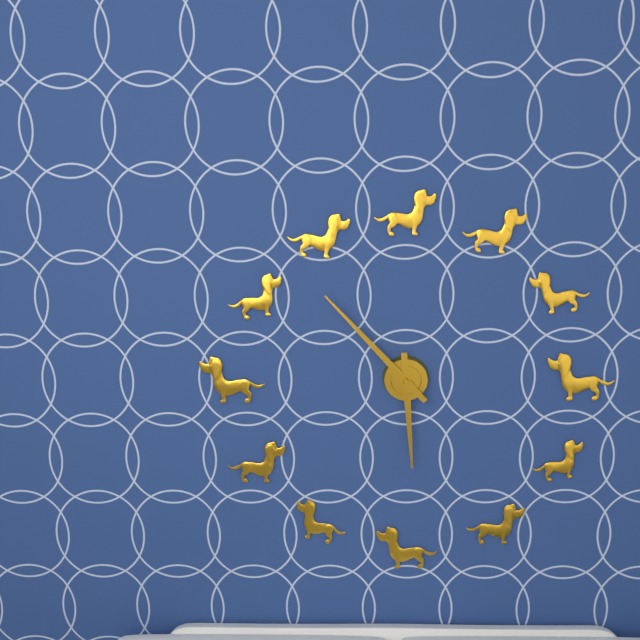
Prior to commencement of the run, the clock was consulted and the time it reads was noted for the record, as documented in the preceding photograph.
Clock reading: 5:53
